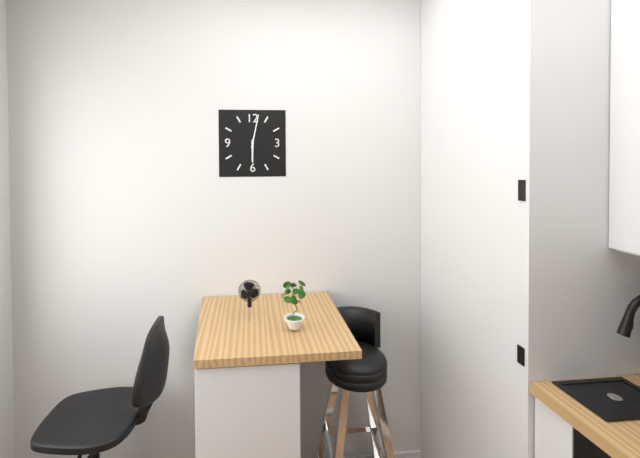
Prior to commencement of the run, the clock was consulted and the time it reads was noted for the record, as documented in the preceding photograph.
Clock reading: 6:02
